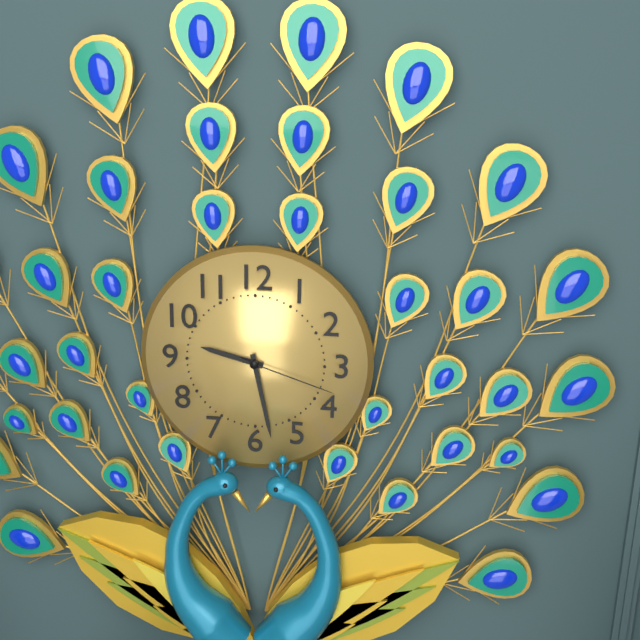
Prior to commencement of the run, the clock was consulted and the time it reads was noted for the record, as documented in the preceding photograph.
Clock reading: 9:28:18
